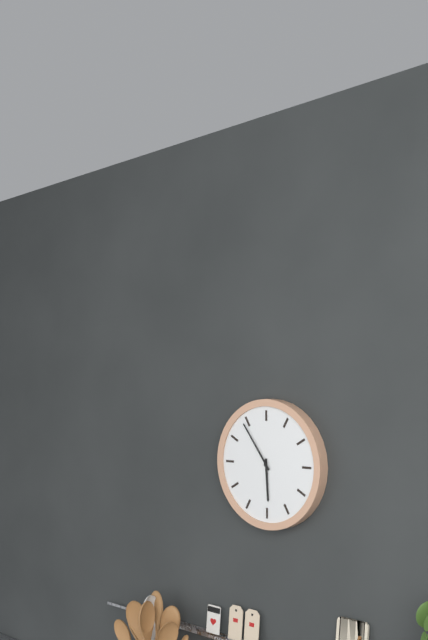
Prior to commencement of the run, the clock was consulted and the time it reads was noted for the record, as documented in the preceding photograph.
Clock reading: 5:54
